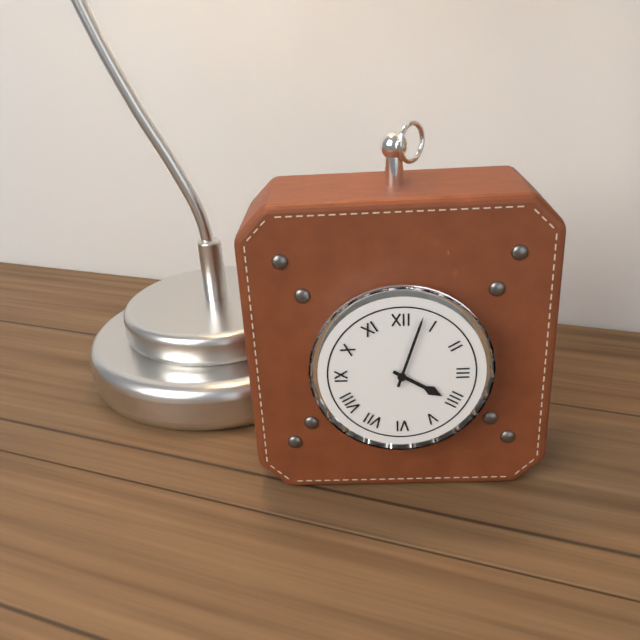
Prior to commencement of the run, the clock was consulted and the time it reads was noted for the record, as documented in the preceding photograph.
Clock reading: 4:03
